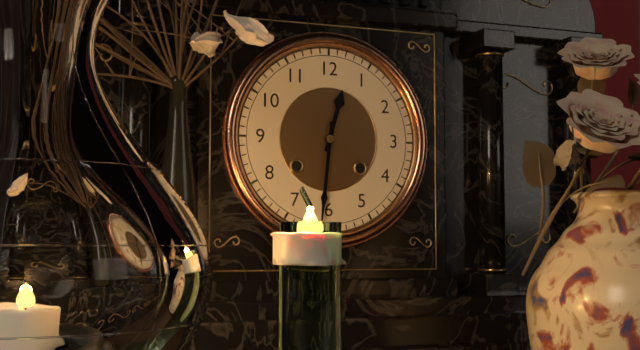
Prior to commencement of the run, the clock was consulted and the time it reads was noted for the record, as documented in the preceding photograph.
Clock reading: 12:31
